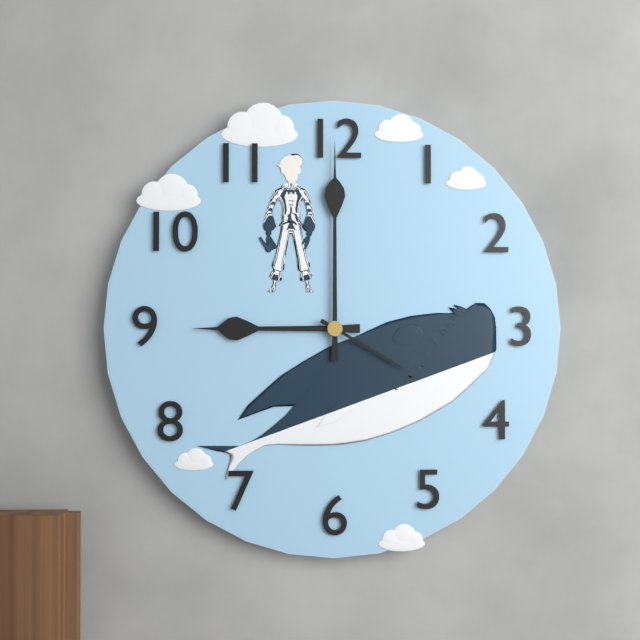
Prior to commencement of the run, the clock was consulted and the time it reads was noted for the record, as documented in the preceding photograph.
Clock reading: 9:00:20
